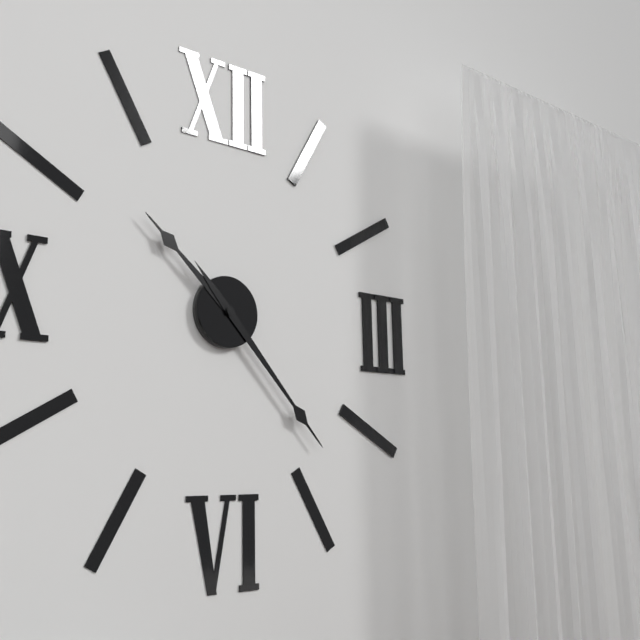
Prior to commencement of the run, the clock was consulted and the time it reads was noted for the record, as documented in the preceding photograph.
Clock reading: 10:23
